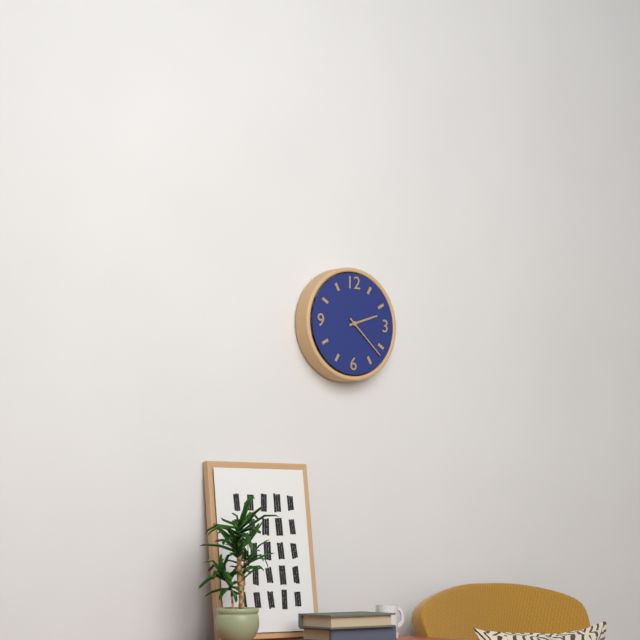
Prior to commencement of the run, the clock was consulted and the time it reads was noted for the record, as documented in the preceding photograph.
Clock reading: 2:22
